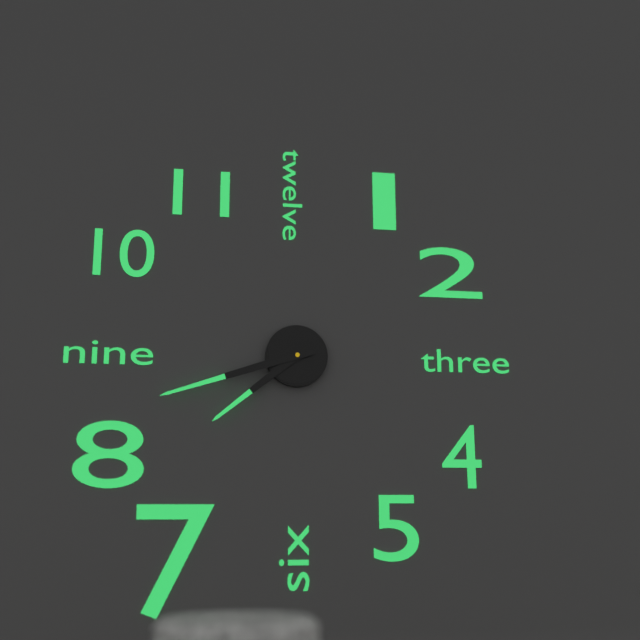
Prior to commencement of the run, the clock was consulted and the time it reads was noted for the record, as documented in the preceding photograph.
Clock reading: 7:42
